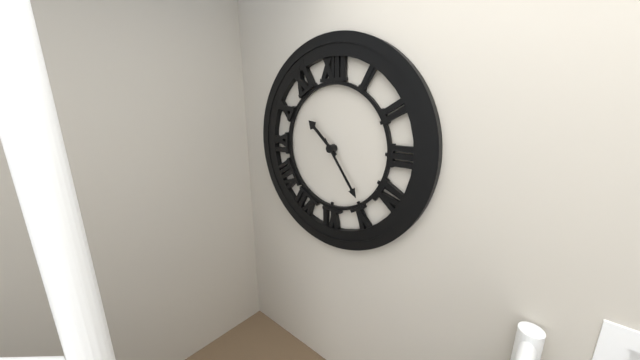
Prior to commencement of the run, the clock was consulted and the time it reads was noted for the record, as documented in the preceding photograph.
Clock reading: 10:24
